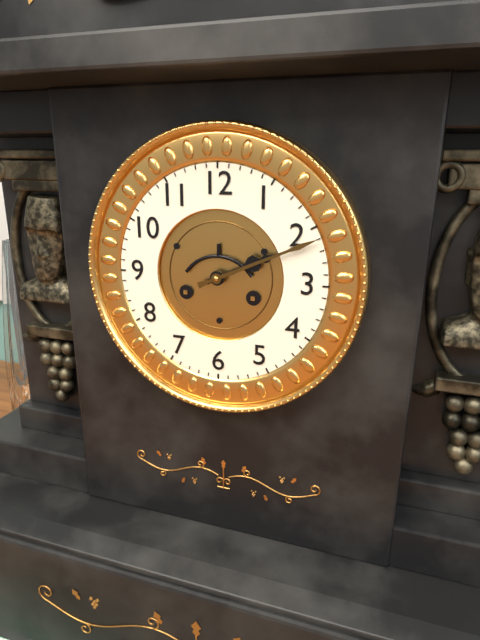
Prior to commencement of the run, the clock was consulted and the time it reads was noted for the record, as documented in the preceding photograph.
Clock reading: 2:11
